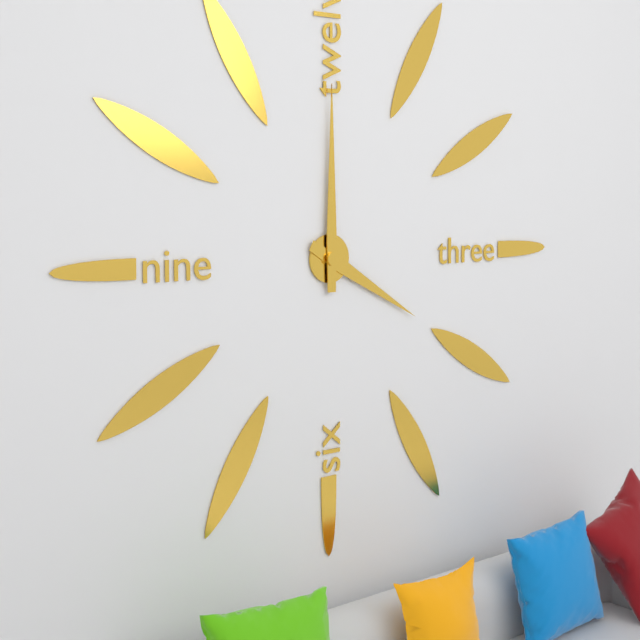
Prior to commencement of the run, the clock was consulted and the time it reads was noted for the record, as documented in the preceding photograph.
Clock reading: 4:00
